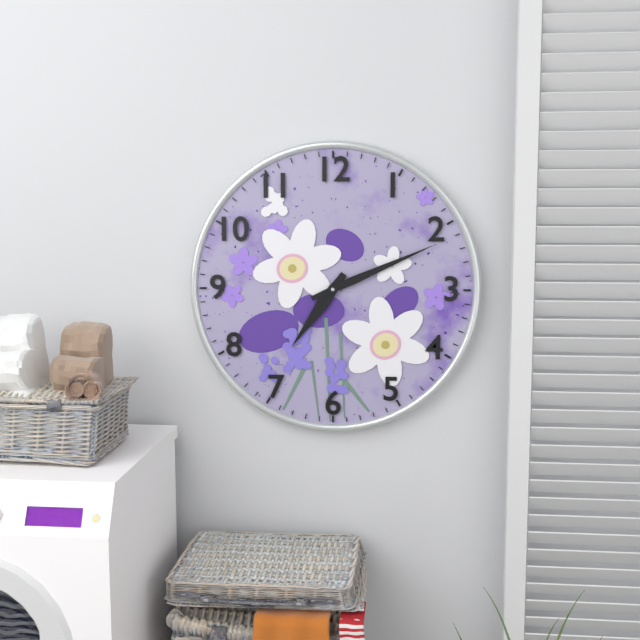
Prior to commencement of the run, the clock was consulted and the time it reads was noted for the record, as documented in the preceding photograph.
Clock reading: 7:11
